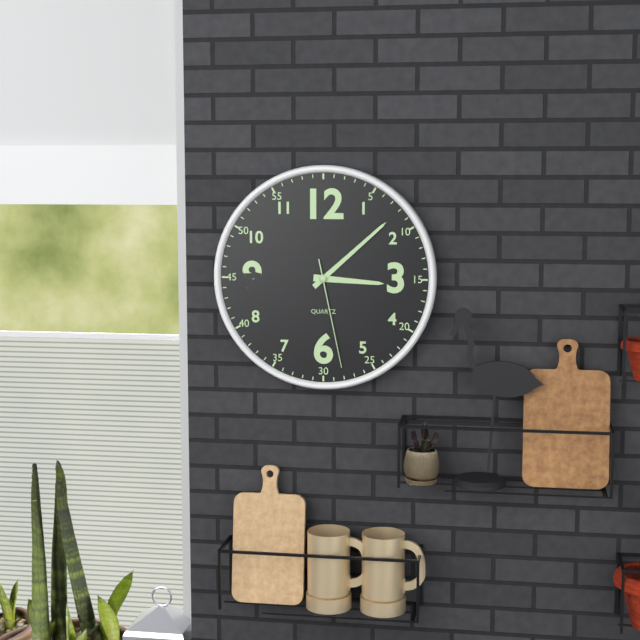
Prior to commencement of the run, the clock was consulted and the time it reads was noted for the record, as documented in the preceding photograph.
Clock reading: 3:08:28
